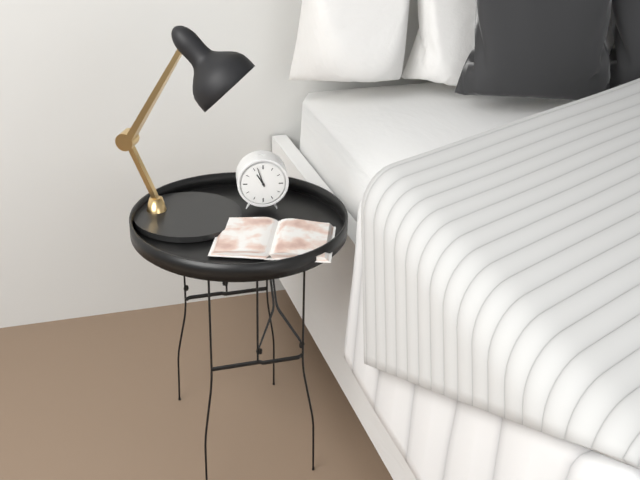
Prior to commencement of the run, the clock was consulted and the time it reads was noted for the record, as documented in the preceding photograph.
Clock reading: 10:57
